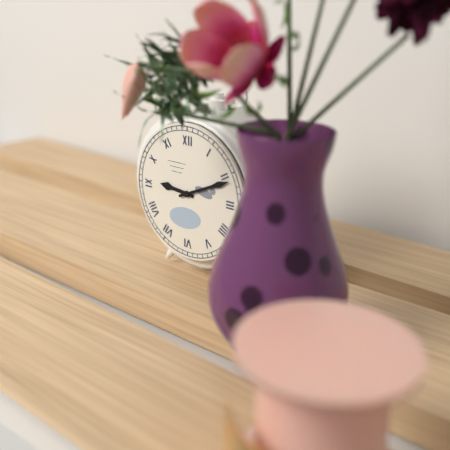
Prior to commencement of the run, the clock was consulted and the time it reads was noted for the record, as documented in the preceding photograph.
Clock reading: 9:11
